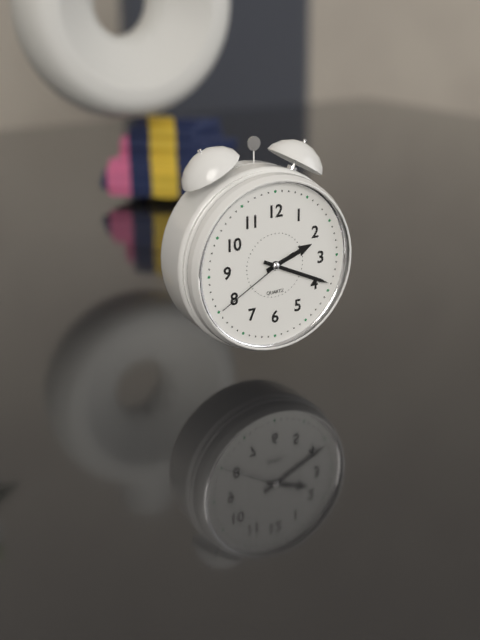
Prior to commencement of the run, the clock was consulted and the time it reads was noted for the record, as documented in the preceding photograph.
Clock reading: 2:19:40
